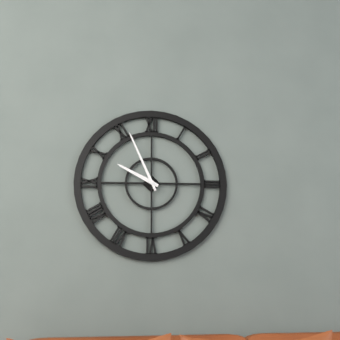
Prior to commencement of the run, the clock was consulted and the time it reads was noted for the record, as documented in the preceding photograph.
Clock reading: 9:56
